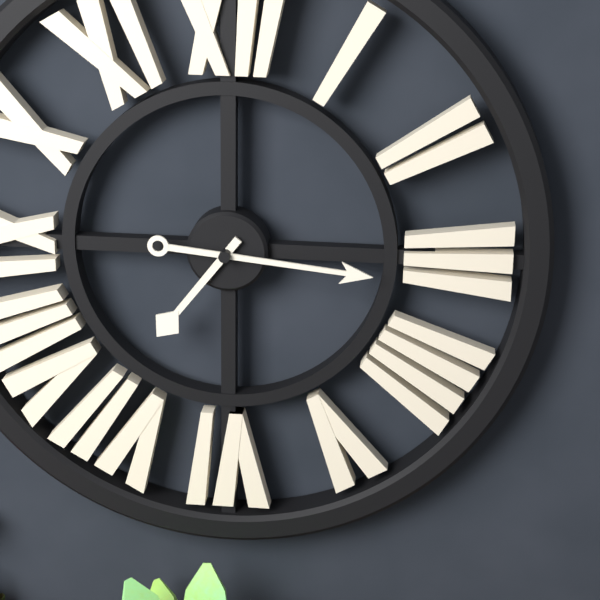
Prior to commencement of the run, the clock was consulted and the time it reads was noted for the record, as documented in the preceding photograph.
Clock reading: 7:16
